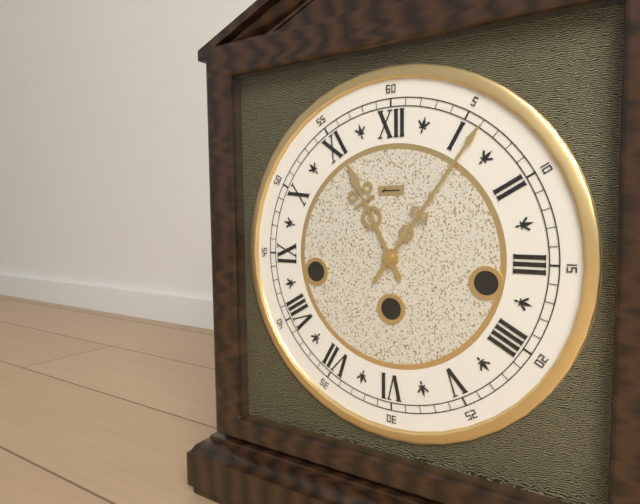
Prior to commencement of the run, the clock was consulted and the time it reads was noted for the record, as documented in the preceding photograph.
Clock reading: 11:06
